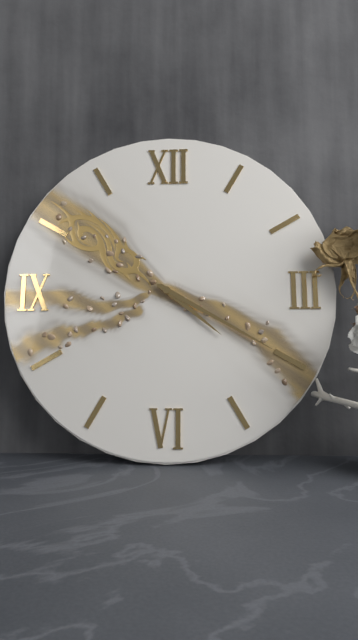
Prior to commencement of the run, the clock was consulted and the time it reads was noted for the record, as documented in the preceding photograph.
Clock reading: 4:20
